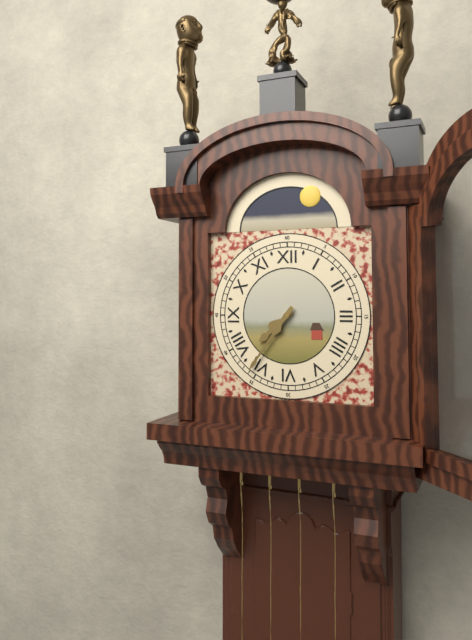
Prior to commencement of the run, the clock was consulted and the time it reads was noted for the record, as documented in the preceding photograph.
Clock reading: 7:36
